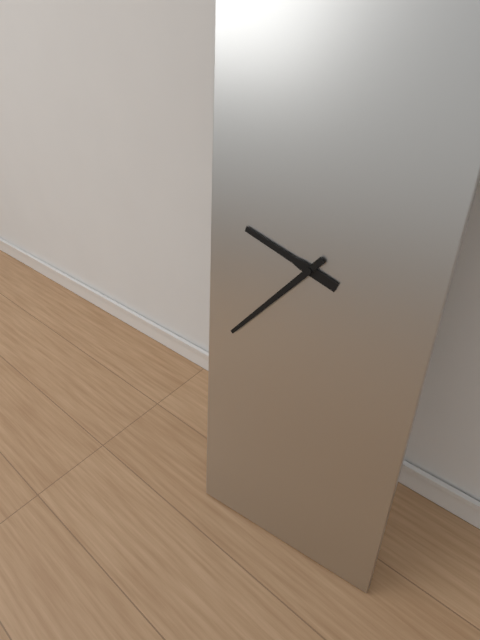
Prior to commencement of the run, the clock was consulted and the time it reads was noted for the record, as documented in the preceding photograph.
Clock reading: 9:37
